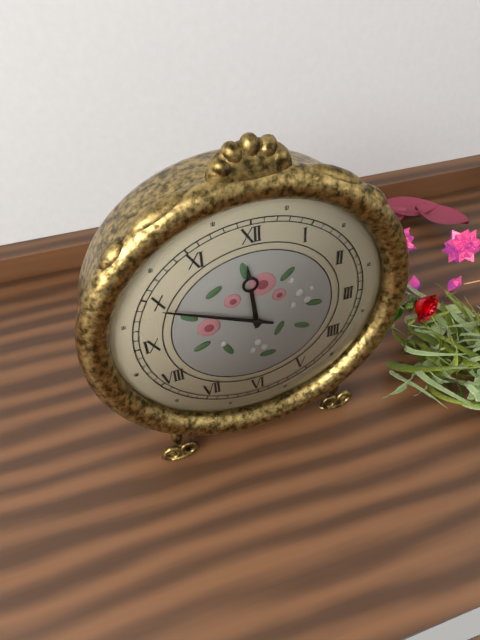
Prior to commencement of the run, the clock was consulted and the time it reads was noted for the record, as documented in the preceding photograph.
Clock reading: 11:49
